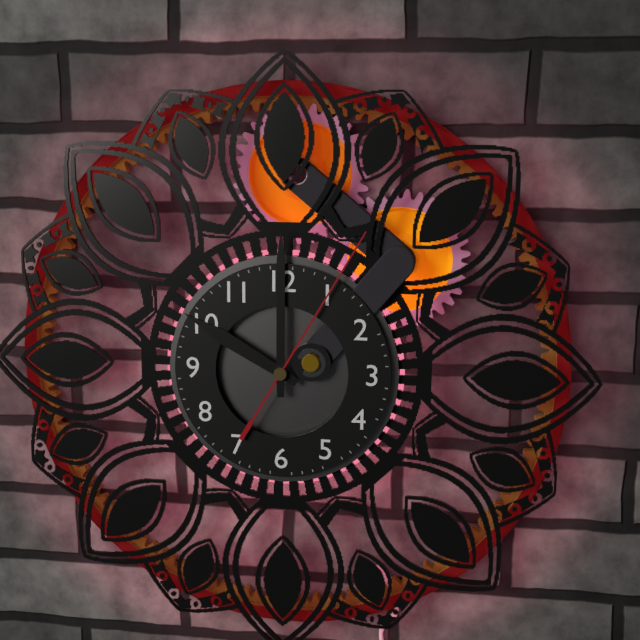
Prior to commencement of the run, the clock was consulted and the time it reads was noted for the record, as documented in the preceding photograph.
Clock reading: 10:00:05
